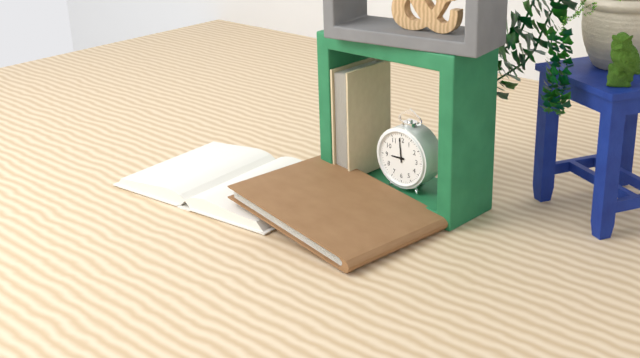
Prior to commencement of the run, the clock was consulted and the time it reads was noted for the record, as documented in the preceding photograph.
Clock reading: 8:59
